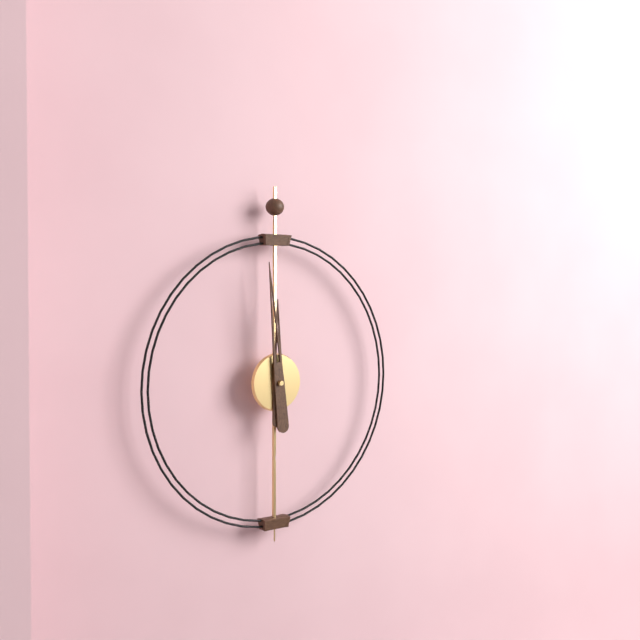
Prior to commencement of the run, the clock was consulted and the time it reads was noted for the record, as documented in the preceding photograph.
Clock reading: 11:59
